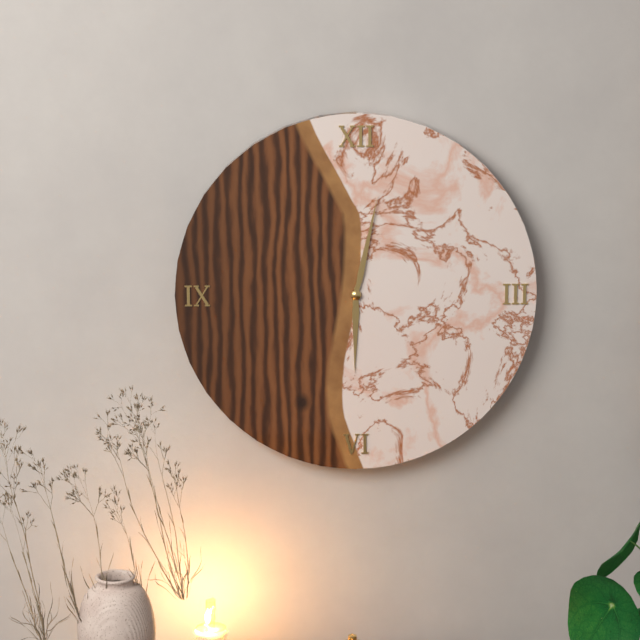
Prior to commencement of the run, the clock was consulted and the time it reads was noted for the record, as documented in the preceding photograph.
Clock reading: 6:02
